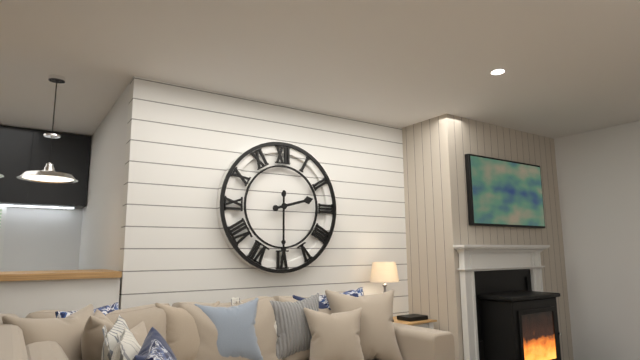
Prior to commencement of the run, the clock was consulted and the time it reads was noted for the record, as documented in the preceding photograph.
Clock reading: 2:30:30
